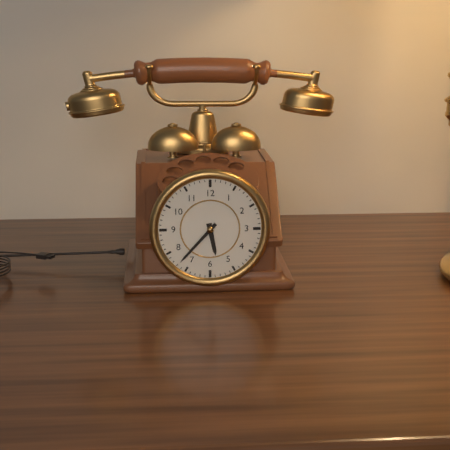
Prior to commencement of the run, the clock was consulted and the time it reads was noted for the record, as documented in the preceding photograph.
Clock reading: 5:37
